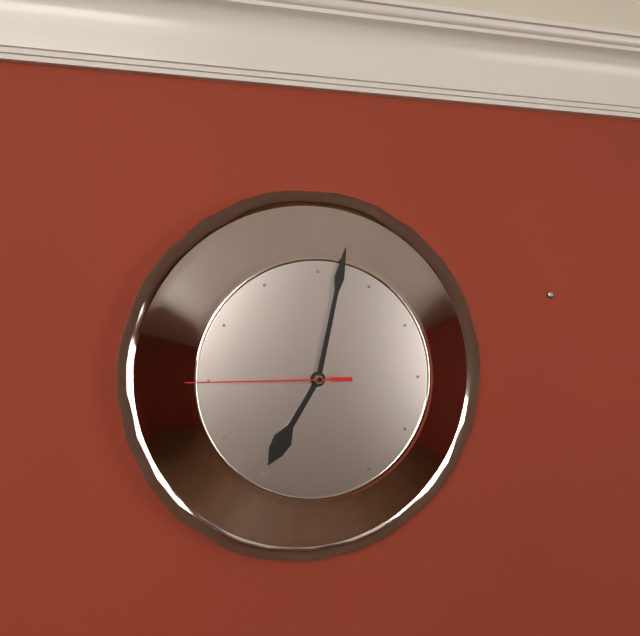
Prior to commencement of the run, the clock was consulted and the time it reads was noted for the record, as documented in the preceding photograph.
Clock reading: 7:02:45
